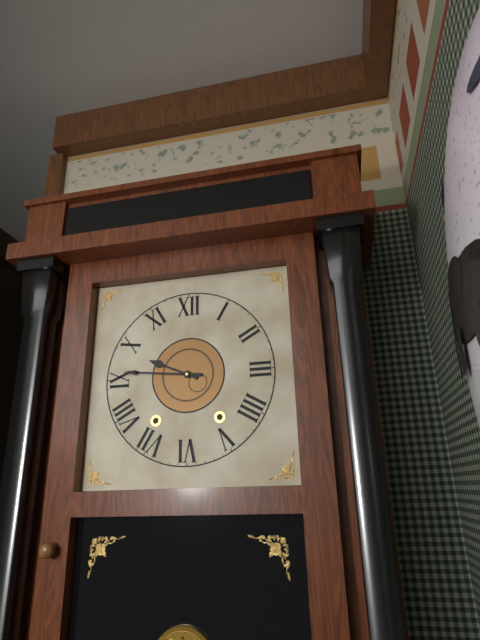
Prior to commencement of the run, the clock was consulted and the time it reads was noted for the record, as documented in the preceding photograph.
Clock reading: 9:46
